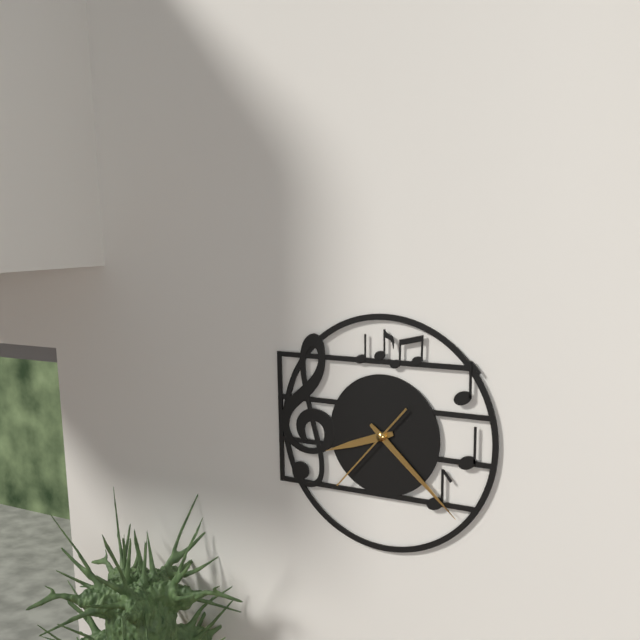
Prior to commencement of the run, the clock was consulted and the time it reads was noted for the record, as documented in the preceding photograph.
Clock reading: 8:22:37
